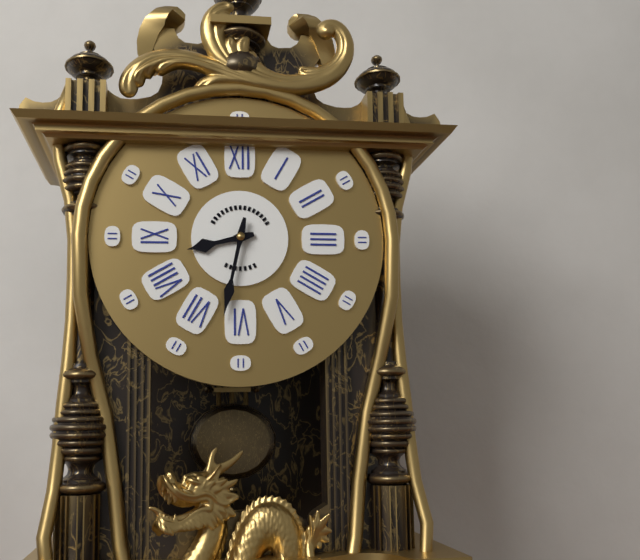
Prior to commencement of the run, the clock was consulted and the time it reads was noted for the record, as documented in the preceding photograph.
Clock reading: 8:32
